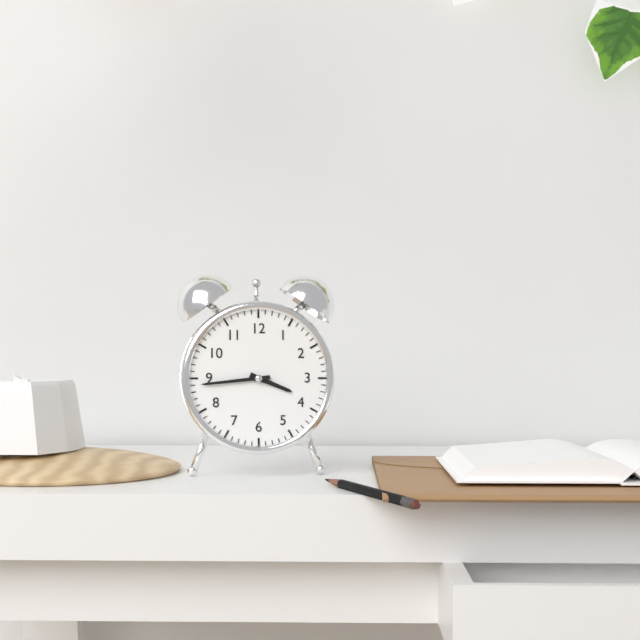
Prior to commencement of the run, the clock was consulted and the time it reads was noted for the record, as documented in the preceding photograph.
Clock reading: 3:44
